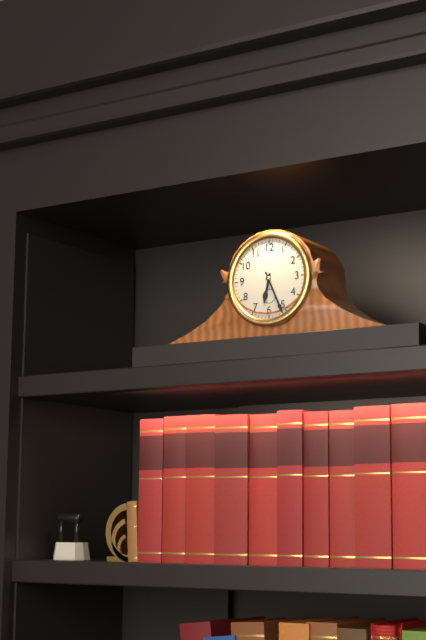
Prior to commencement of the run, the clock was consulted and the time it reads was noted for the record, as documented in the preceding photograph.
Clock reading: 6:26
